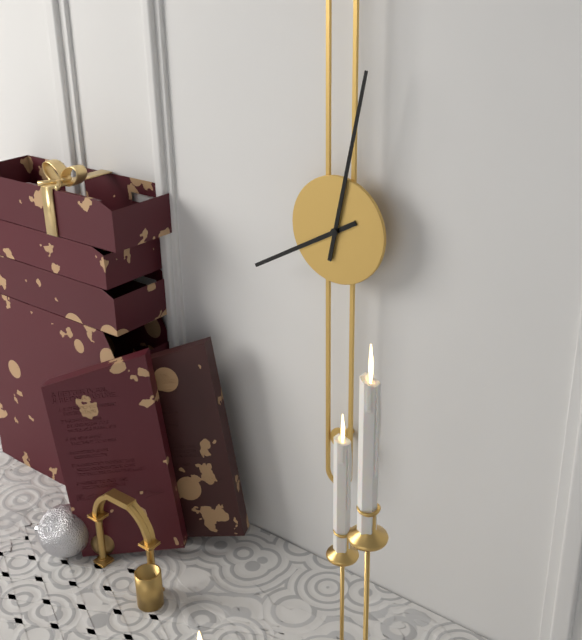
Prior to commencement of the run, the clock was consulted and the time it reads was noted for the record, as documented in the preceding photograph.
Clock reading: 8:02
